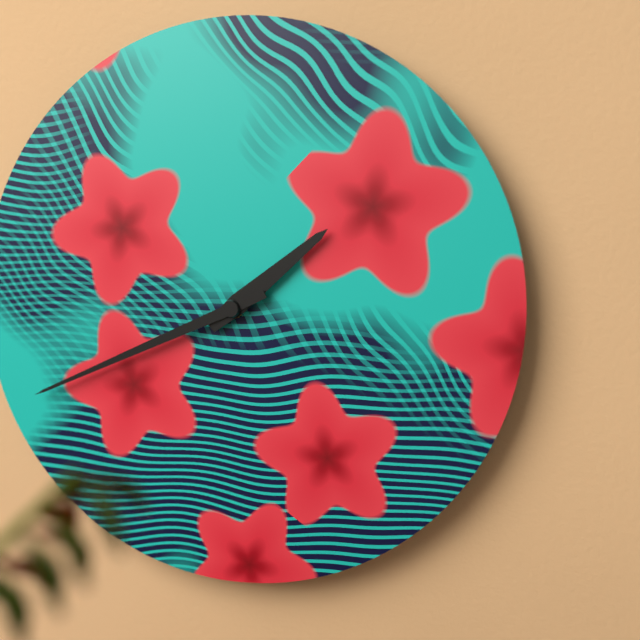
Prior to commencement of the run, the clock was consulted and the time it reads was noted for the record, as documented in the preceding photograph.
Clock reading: 1:41
